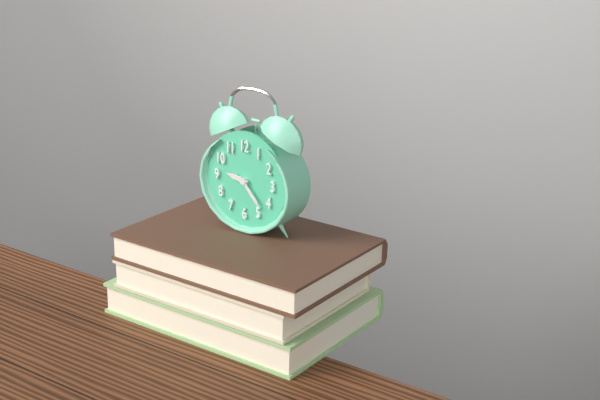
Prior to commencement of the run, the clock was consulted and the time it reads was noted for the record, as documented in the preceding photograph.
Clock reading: 9:23
